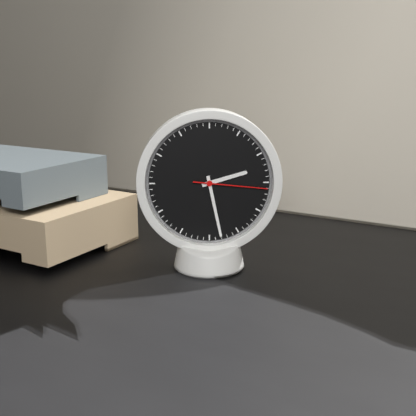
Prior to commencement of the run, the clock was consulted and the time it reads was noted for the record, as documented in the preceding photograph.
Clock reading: 2:28:16
